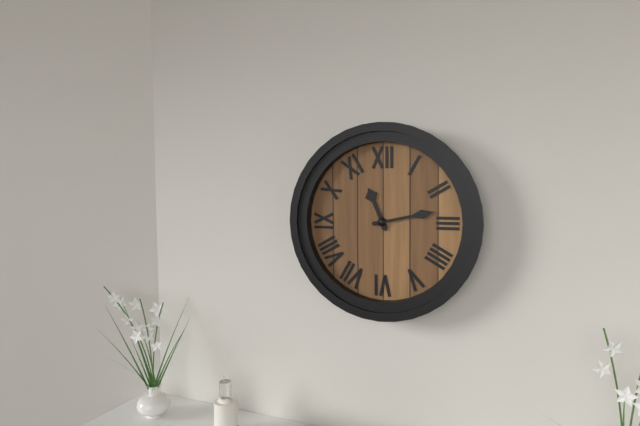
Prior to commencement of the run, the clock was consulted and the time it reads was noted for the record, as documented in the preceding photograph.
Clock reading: 11:13
